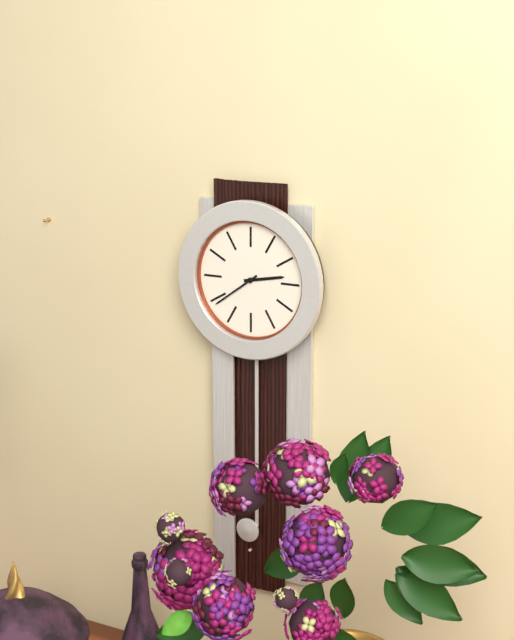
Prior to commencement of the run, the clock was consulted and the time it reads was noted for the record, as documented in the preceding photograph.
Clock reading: 2:39
